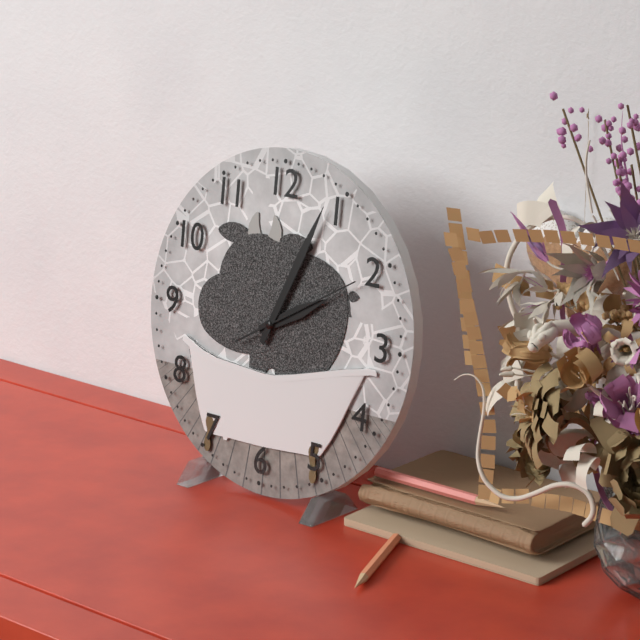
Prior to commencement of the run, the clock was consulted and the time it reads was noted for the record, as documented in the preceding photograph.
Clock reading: 2:04:10
